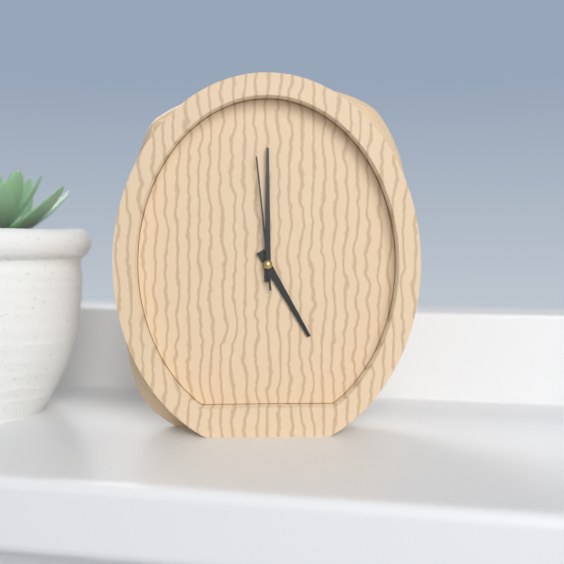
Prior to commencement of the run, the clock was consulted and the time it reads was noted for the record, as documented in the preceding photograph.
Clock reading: 5:00:59
